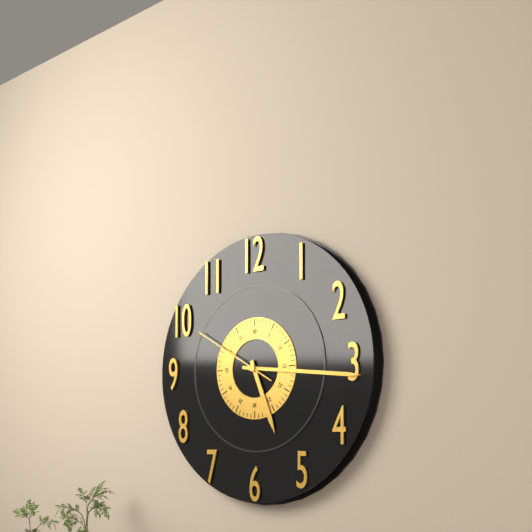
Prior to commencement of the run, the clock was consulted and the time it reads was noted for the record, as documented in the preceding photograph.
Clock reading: 5:16:50
